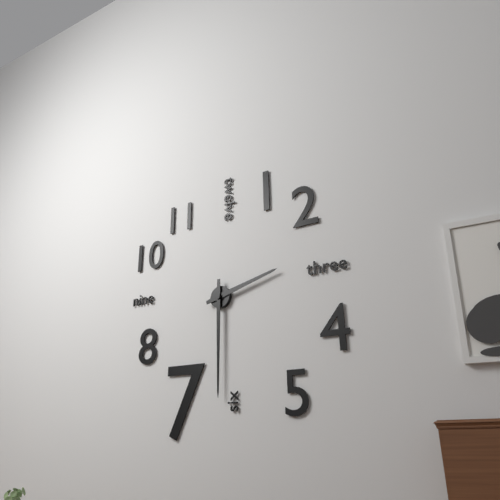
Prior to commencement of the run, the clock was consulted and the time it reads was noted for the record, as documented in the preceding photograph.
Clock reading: 2:30
